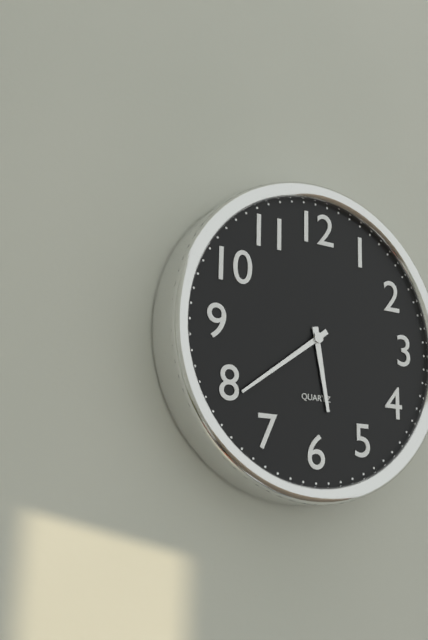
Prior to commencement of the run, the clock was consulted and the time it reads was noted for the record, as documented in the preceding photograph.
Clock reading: 5:39
